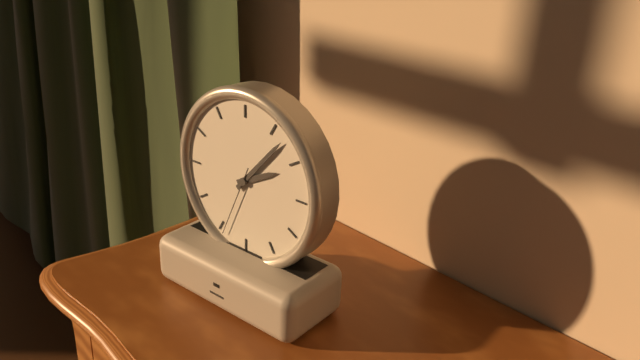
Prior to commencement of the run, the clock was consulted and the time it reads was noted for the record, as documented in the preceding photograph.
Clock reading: 2:07:34
